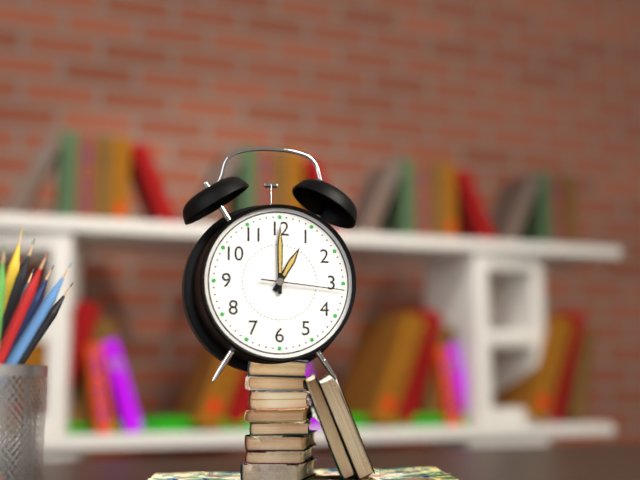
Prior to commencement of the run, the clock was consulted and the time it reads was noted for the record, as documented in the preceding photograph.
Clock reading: 1:00:16
